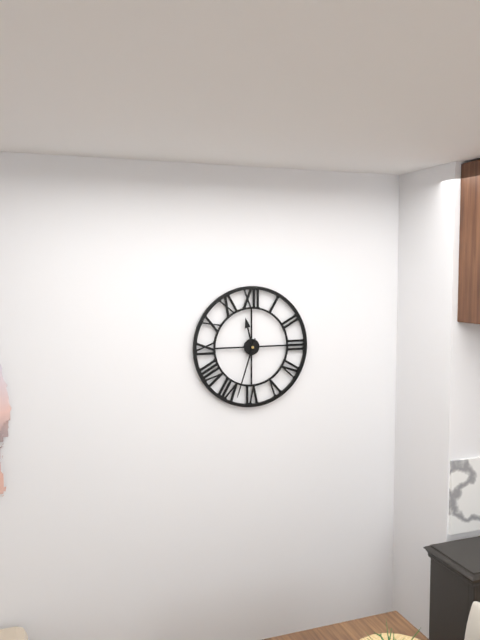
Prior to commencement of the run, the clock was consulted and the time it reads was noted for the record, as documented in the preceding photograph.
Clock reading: 11:33
